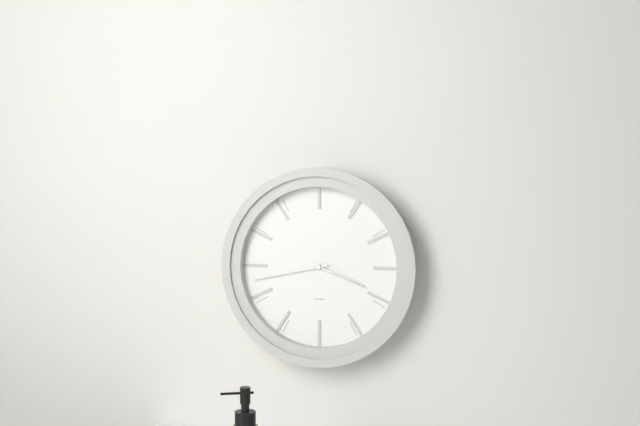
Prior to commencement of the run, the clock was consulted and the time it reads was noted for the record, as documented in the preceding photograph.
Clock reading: 3:43
